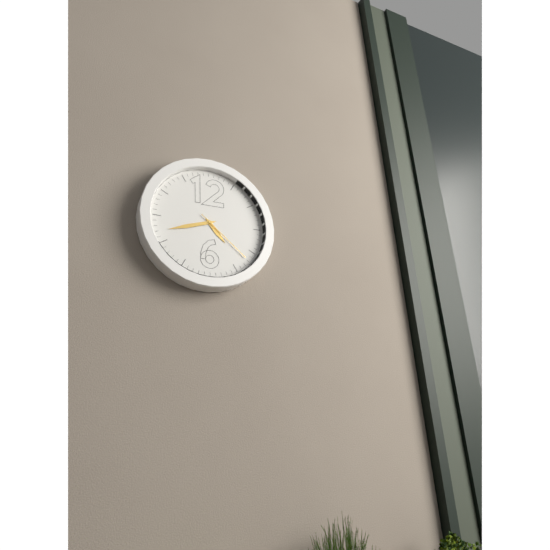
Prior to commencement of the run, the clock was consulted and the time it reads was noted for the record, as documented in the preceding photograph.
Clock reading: 4:42:22
